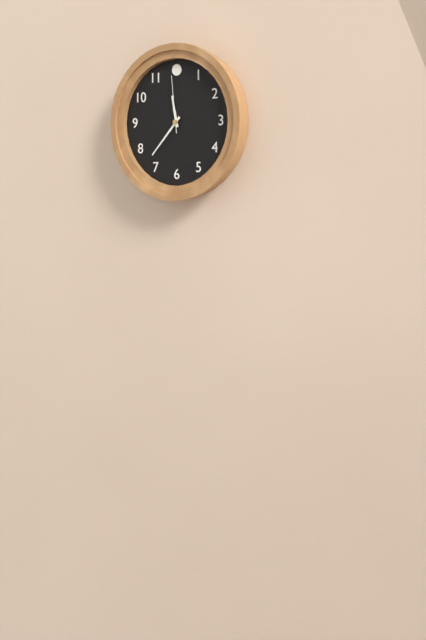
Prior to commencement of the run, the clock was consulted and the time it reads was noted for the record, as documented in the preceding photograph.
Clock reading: 11:37:59
